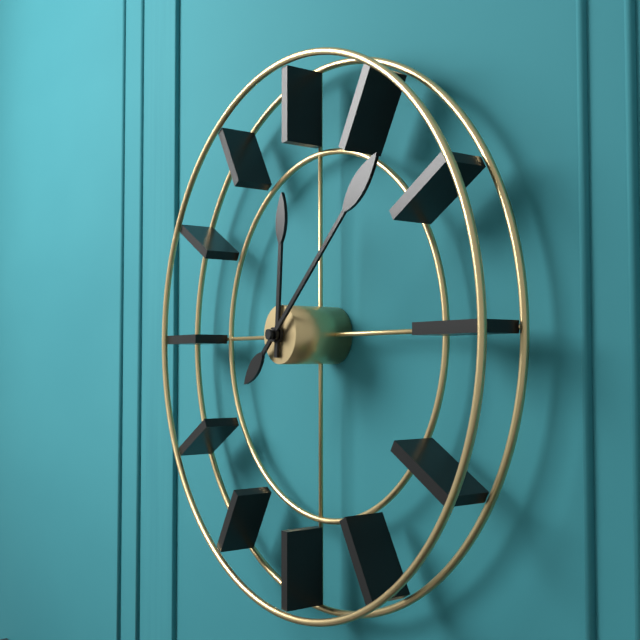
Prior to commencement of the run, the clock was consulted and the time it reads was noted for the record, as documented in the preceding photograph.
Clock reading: 12:08
